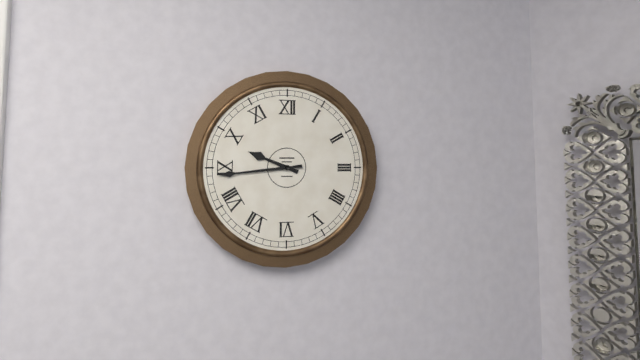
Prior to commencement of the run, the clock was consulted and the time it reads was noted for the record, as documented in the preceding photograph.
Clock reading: 9:44
